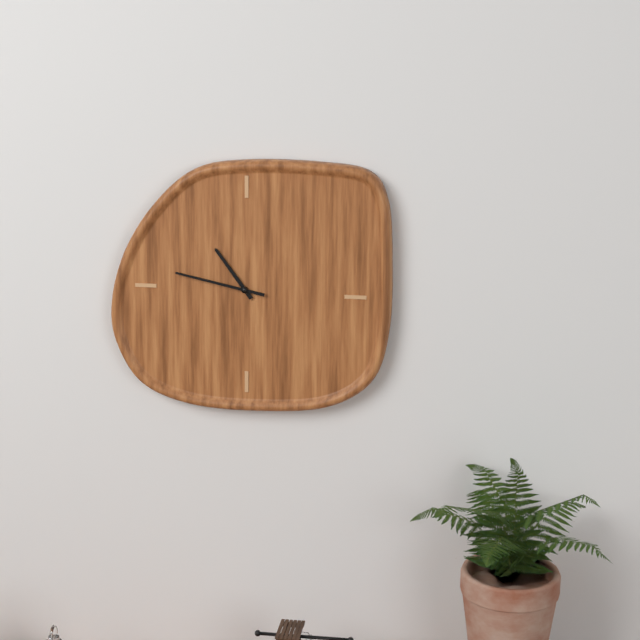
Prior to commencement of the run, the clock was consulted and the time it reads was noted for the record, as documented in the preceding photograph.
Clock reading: 10:47
